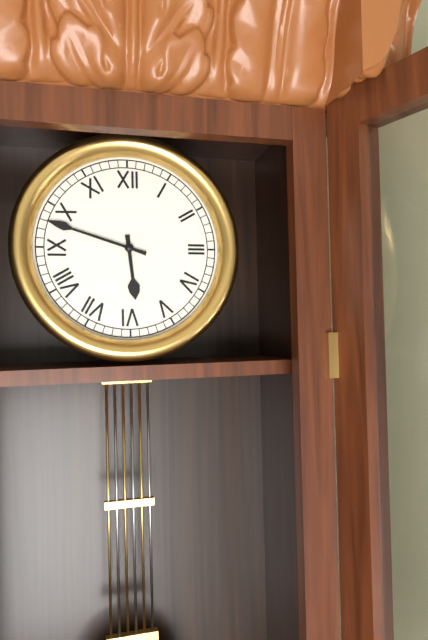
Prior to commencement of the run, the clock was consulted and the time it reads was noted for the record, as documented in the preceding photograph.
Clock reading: 5:48
